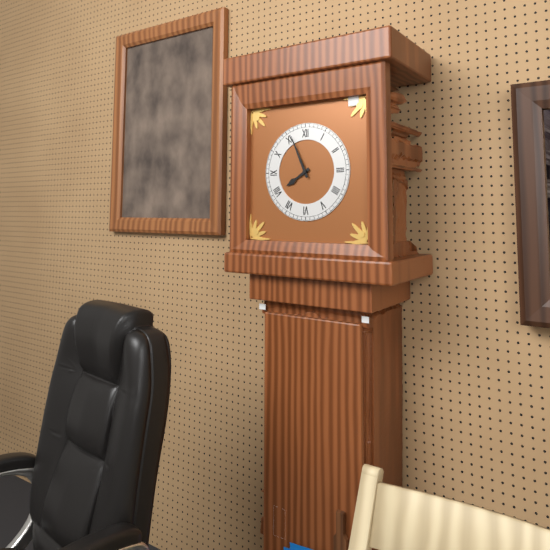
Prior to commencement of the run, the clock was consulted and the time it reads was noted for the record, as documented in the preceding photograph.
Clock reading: 7:56
